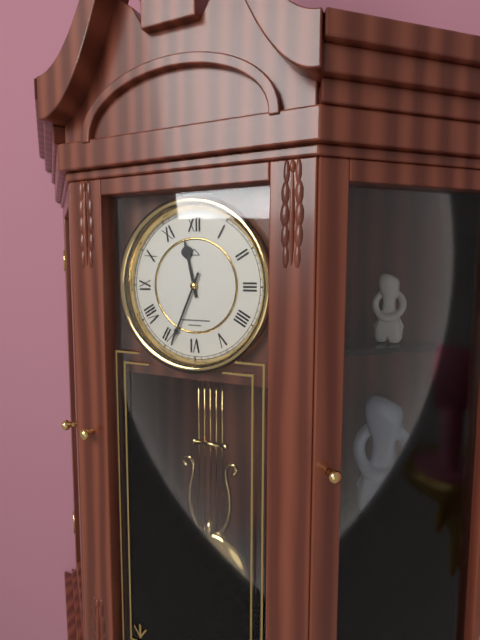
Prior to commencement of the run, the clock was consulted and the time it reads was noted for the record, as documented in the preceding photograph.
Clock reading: 11:34
